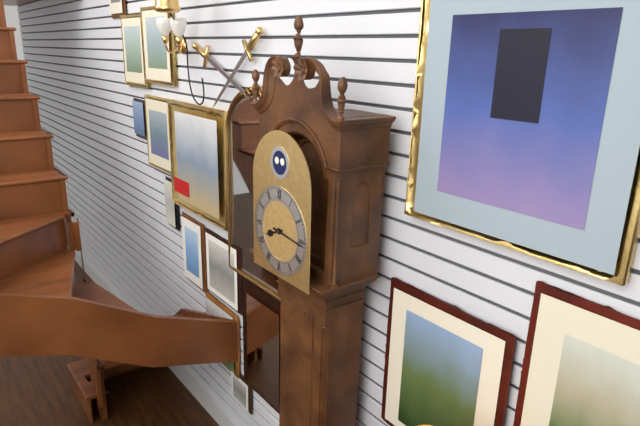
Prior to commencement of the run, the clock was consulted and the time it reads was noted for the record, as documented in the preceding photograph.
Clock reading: 8:16
